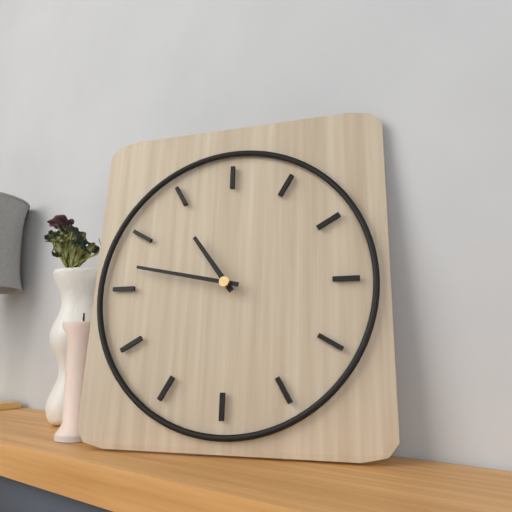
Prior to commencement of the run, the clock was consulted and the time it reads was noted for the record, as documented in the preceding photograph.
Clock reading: 10:47
